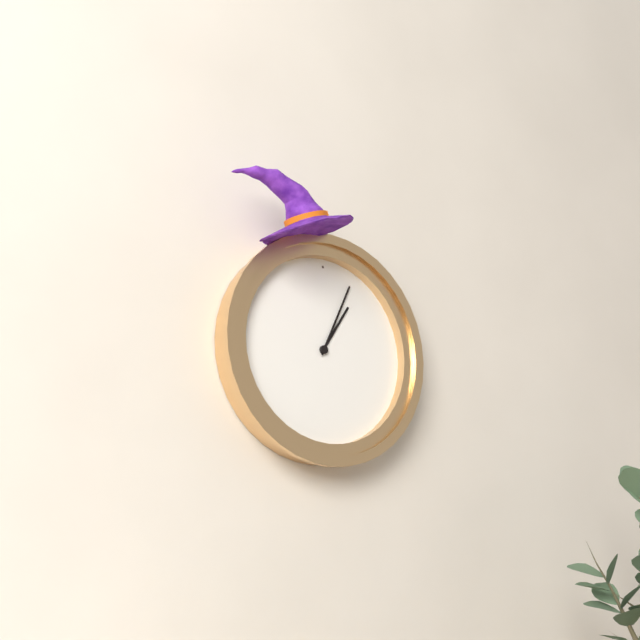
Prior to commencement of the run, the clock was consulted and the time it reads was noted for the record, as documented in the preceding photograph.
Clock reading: 1:04
